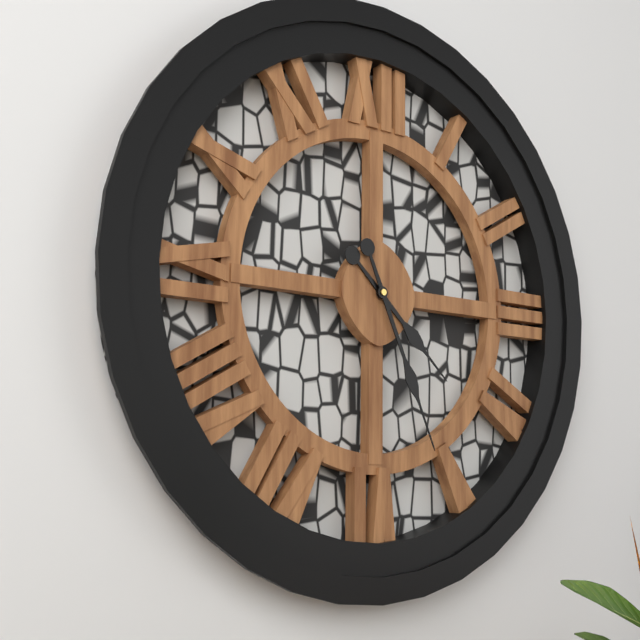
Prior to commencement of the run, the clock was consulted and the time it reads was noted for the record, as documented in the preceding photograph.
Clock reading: 4:26
